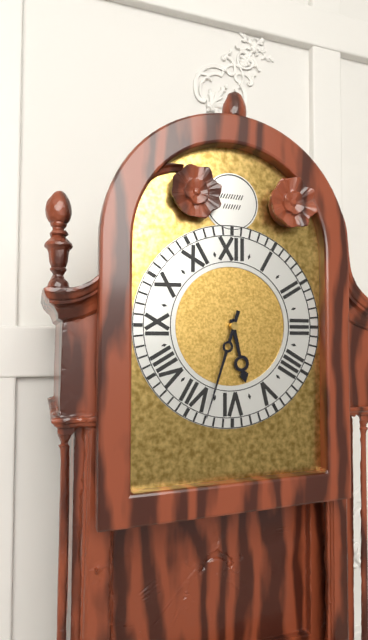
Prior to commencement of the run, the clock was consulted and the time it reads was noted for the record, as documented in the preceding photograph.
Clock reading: 5:33
